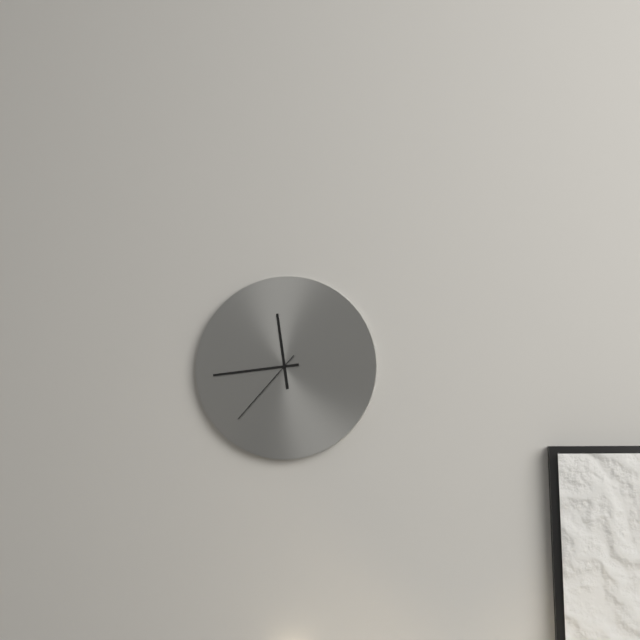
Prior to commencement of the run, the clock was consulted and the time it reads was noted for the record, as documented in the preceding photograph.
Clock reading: 11:44:37
